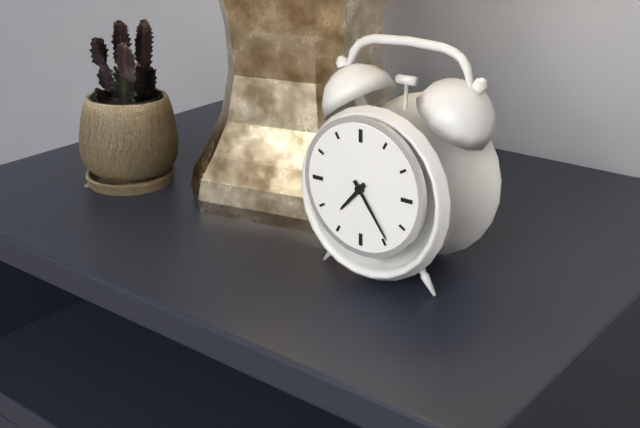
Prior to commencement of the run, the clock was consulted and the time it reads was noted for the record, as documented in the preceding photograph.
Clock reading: 7:24
